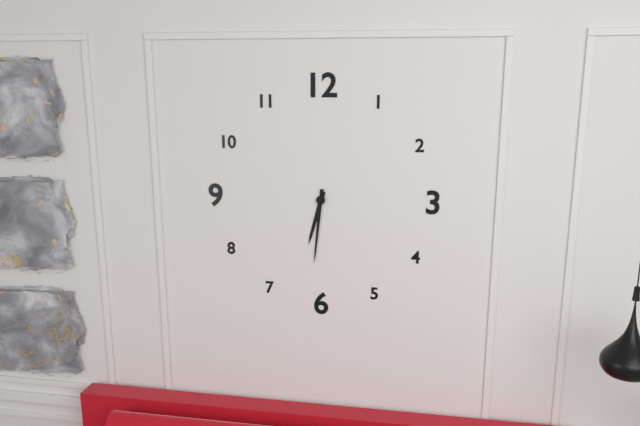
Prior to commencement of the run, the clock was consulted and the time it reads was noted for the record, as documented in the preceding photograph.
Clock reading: 6:31
